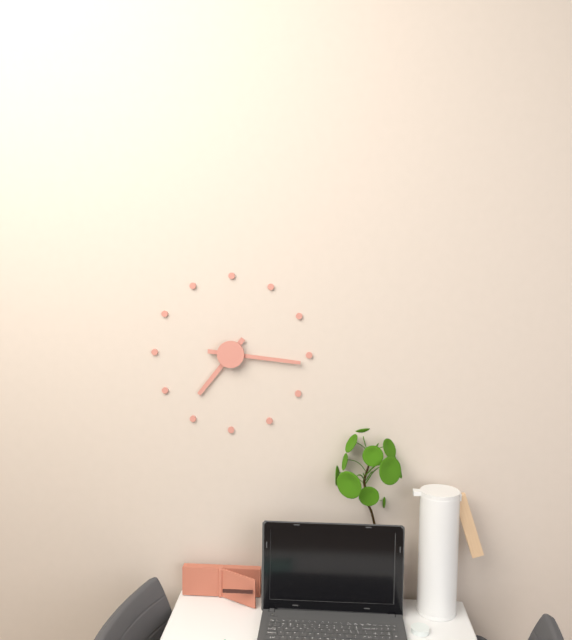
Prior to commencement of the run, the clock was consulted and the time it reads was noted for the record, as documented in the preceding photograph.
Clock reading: 7:16
